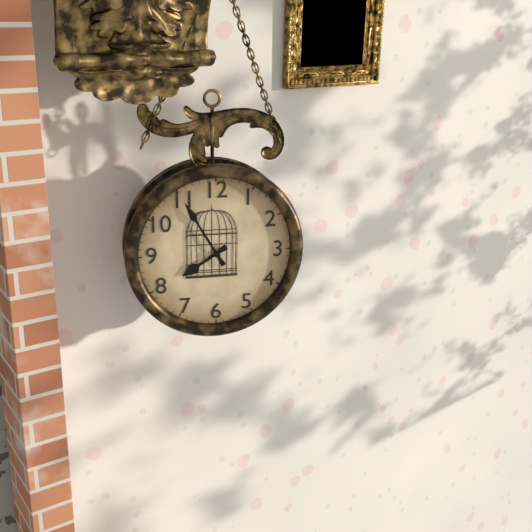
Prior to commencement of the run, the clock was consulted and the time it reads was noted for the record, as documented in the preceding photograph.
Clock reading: 7:55
